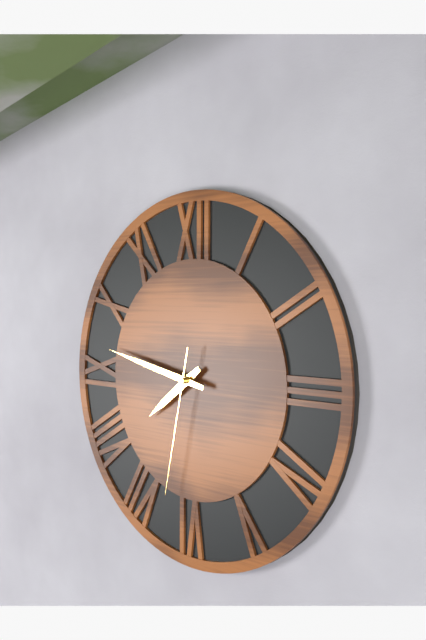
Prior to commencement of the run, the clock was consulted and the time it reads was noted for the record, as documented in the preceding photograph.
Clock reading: 7:47:32
